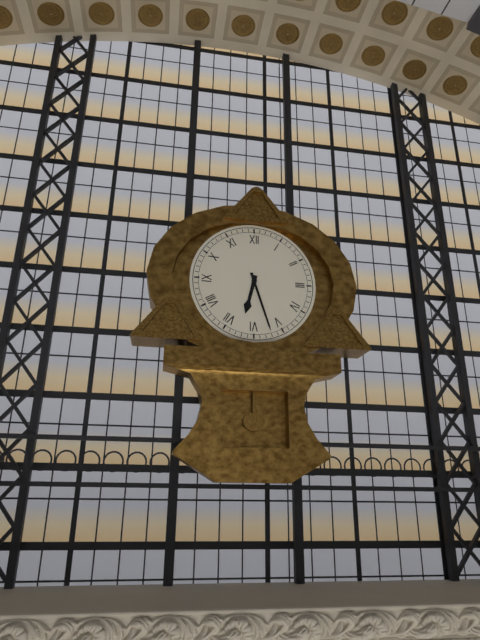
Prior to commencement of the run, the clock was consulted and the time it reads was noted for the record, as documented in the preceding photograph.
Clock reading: 6:27
